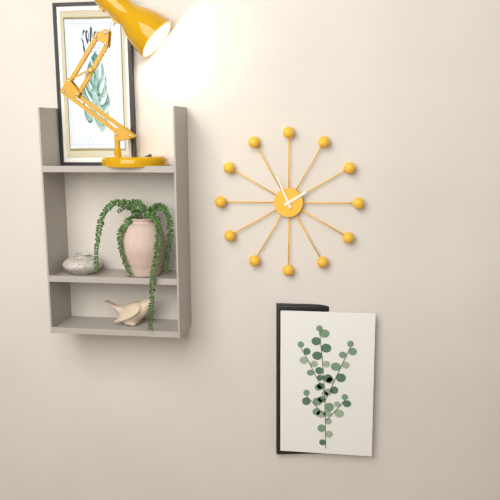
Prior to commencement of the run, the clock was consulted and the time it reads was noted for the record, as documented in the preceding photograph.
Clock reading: 1:56
